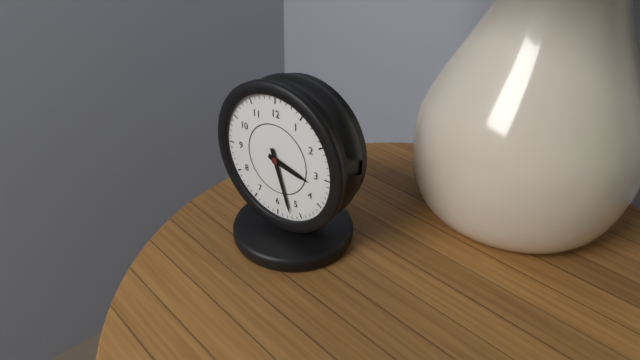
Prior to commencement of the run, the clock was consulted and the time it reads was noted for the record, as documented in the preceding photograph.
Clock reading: 3:27
